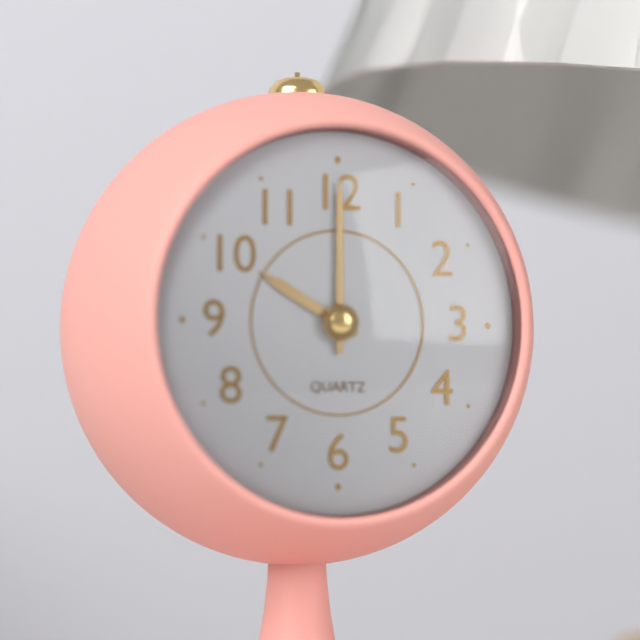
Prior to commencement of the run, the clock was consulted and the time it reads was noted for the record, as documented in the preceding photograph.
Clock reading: 10:00
